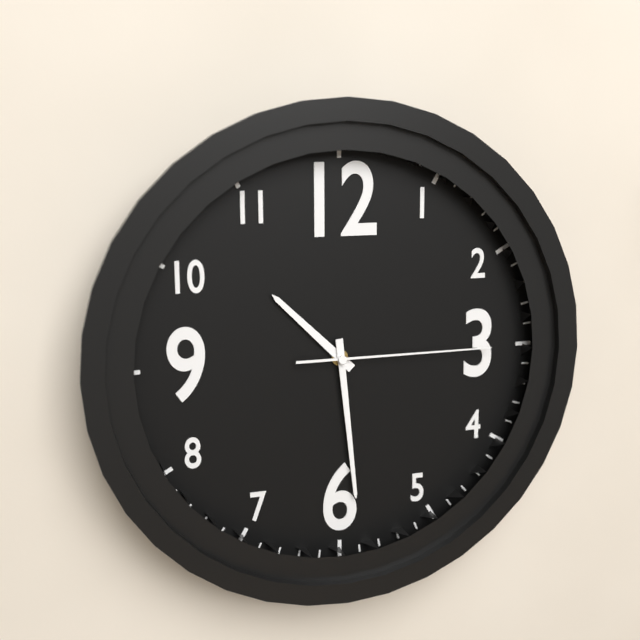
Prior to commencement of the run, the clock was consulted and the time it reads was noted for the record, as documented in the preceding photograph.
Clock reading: 10:29:15
